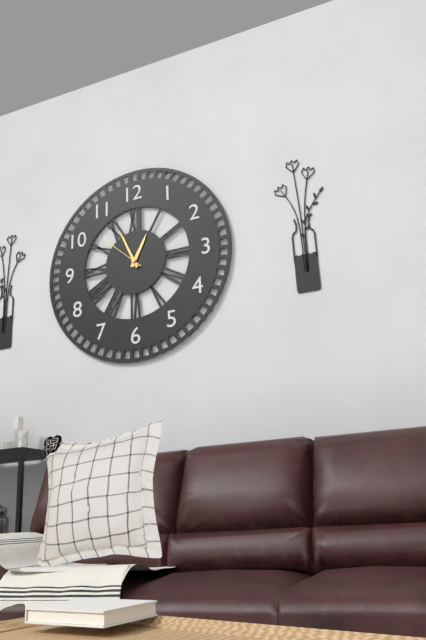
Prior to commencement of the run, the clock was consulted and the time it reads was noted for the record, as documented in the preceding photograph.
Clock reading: 12:56
